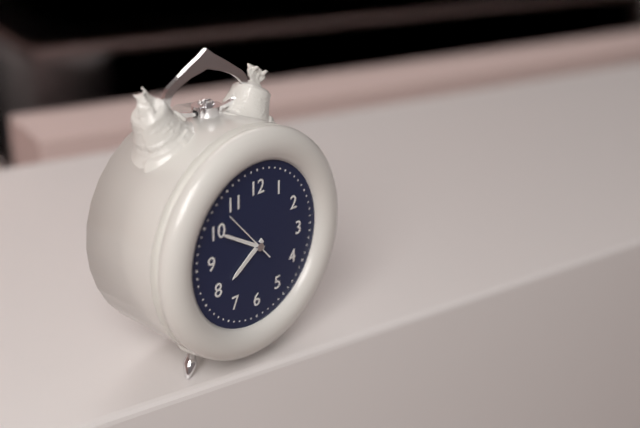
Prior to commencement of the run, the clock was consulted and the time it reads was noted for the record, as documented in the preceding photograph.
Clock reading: 7:50
